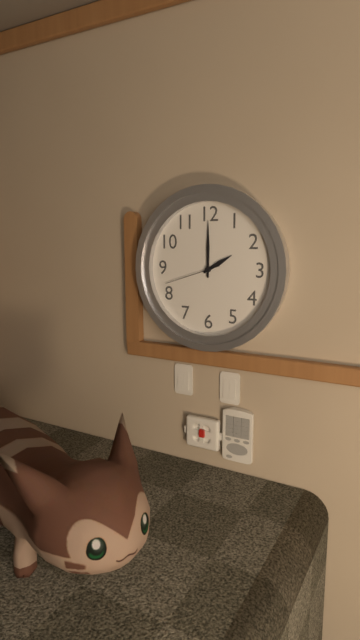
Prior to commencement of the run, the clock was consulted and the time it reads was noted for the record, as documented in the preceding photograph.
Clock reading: 2:00:42
